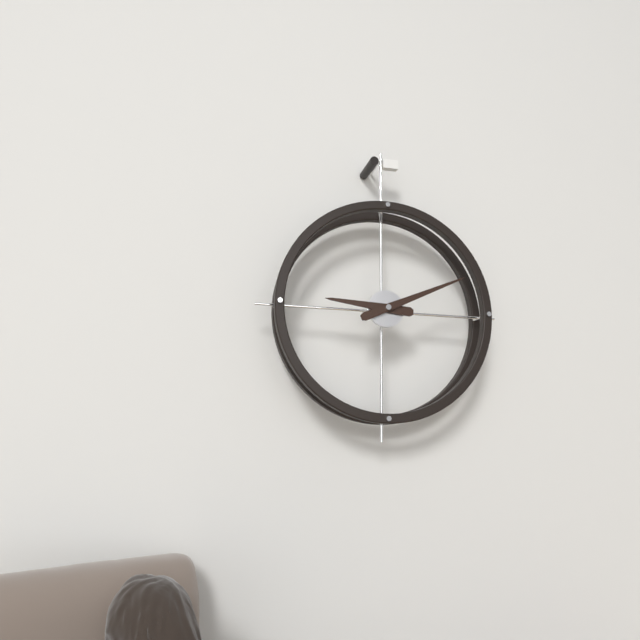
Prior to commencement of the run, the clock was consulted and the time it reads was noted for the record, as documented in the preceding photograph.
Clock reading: 9:11
